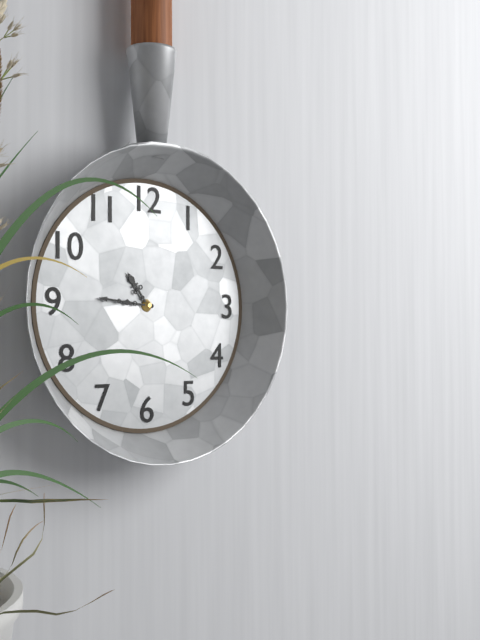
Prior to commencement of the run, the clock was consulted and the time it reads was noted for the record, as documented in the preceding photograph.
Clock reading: 10:46
